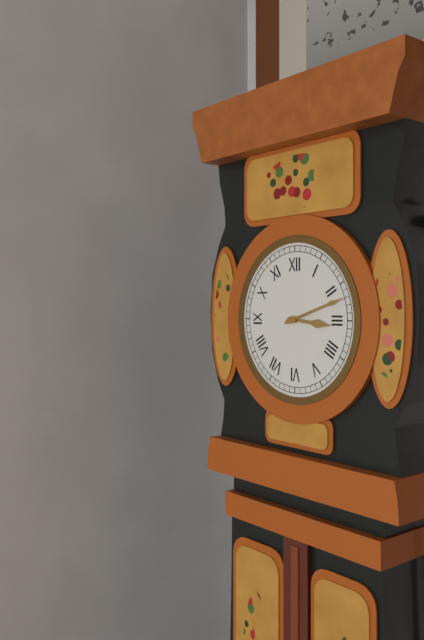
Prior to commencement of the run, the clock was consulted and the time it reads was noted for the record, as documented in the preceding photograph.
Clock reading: 3:12
